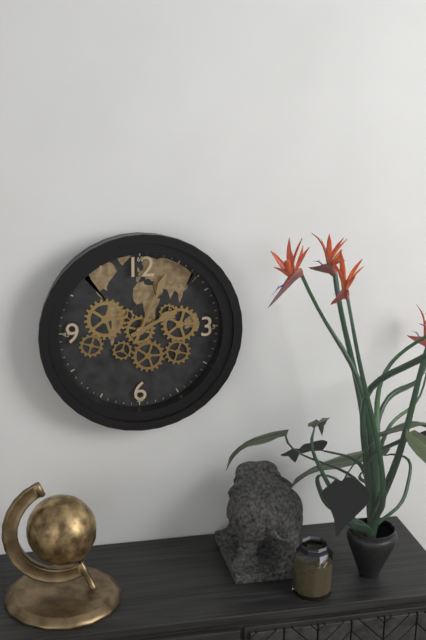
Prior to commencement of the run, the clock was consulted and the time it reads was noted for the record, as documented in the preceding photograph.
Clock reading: 2:04
